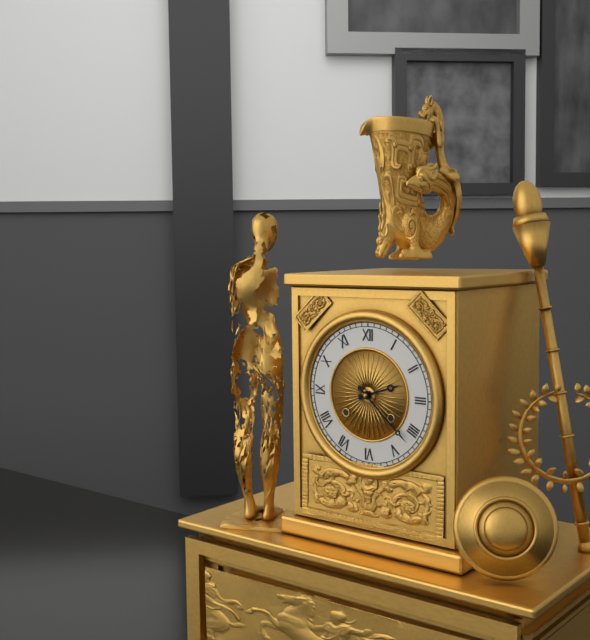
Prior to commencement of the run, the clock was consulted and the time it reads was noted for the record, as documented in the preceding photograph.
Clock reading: 2:22
